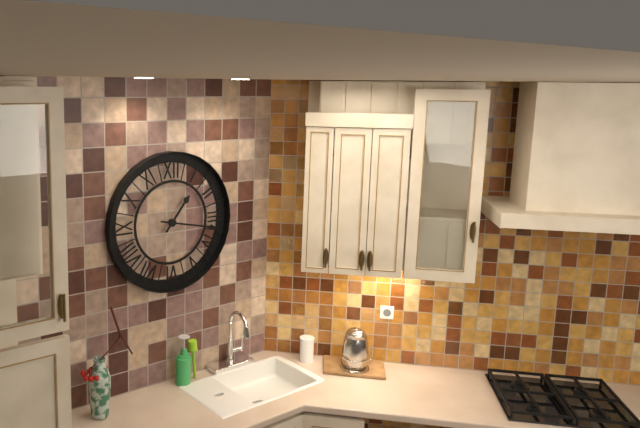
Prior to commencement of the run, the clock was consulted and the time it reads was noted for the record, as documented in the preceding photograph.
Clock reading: 1:17
